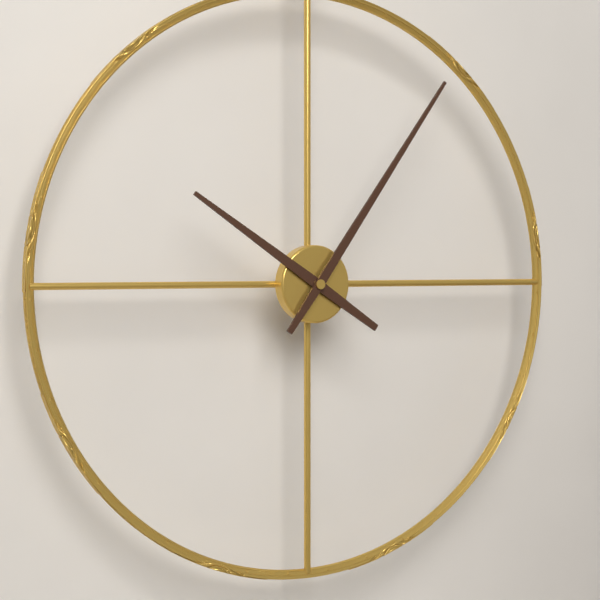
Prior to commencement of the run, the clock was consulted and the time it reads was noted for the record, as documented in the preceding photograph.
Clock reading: 10:06
